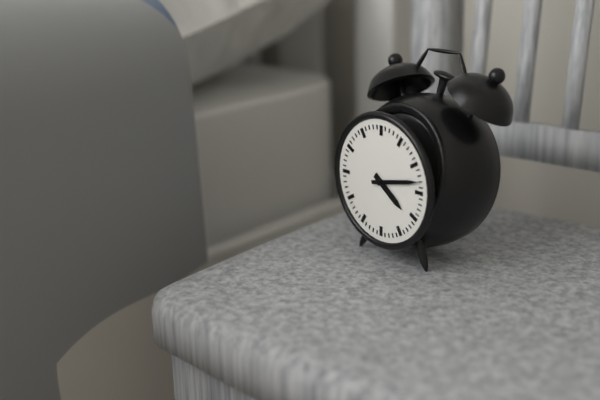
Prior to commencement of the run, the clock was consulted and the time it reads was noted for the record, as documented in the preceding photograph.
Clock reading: 4:13
